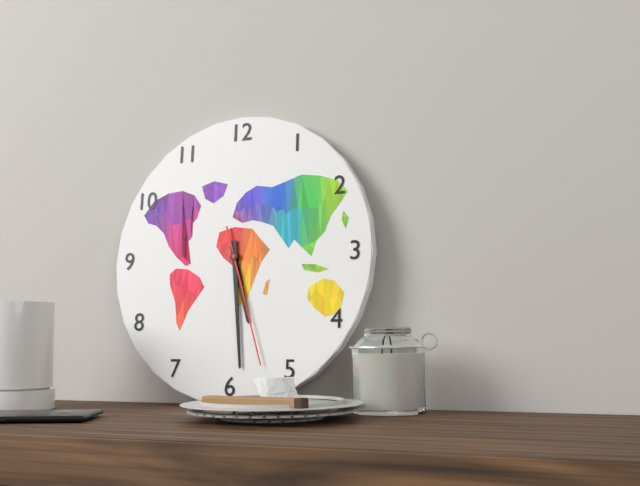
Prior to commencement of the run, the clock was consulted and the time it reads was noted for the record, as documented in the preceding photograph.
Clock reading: 5:29:27
